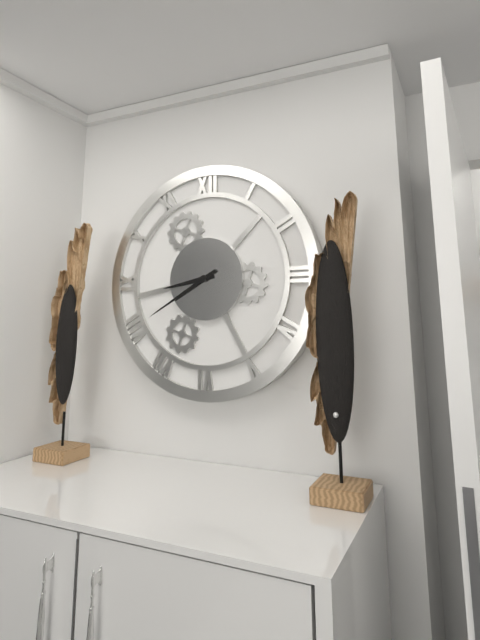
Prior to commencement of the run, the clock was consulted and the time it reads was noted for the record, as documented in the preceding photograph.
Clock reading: 8:40
